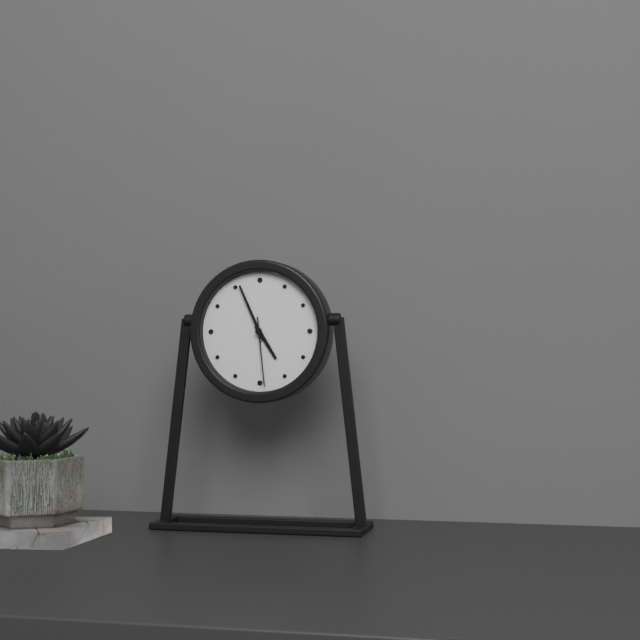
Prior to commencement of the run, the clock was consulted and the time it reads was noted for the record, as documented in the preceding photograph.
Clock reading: 4:56:29
